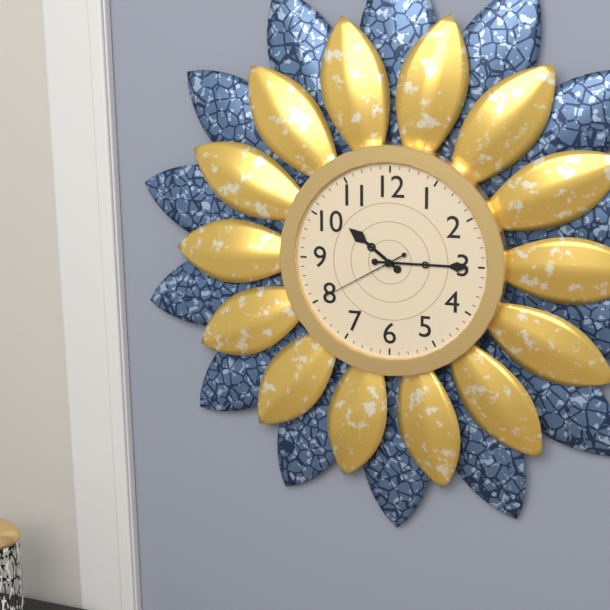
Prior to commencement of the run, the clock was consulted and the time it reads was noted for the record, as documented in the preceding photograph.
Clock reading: 10:15:40
